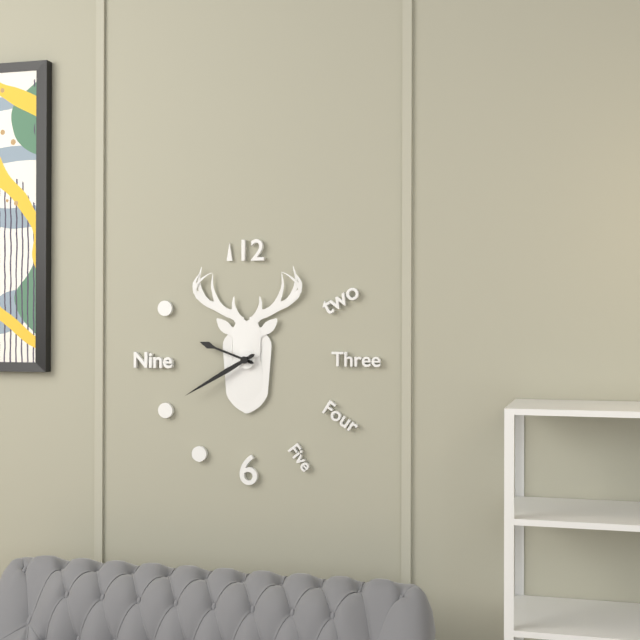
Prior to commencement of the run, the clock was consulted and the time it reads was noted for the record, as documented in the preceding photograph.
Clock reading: 9:40
